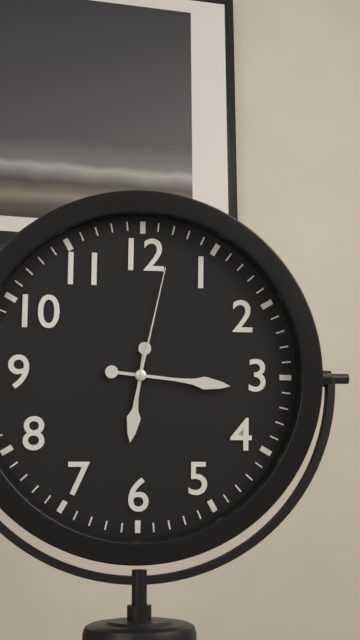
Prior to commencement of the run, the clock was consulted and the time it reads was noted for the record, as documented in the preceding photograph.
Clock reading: 6:16:02
